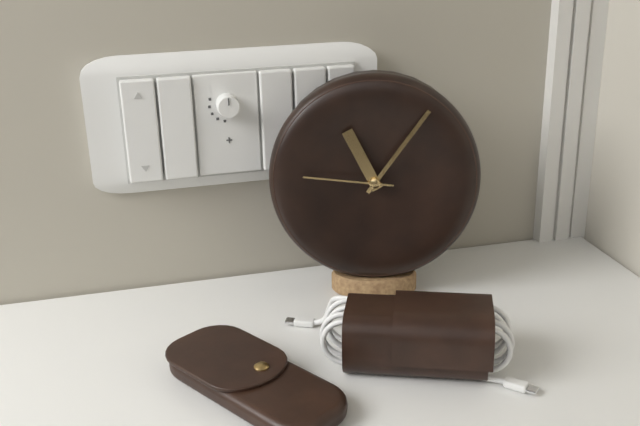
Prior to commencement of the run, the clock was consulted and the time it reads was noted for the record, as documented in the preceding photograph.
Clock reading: 11:06:46
